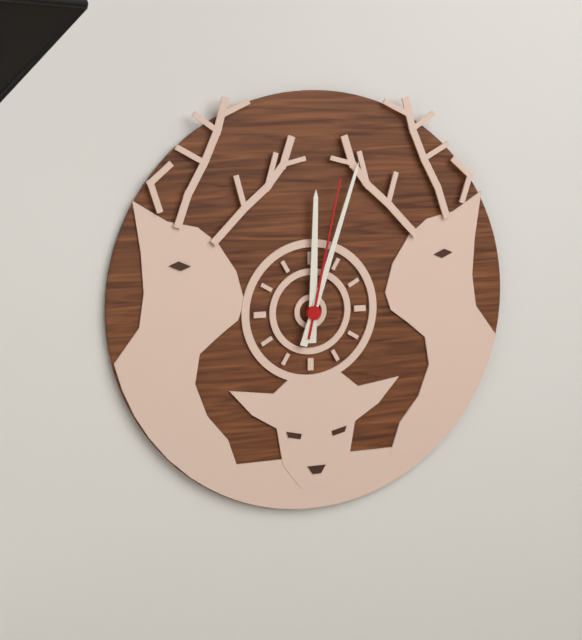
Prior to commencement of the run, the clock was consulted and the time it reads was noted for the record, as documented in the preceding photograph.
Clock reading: 12:03:02
